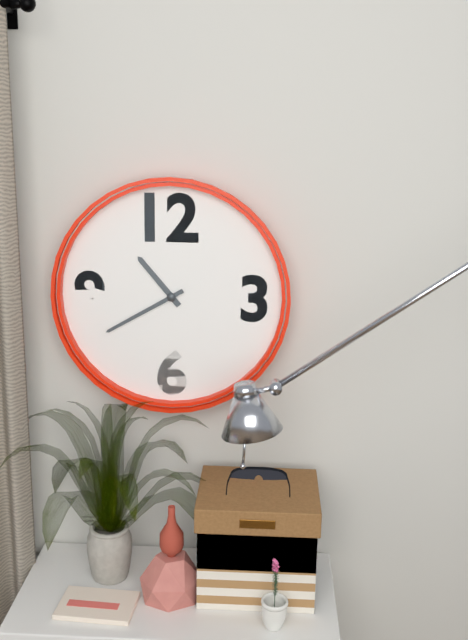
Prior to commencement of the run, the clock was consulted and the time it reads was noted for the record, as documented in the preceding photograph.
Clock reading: 10:40
